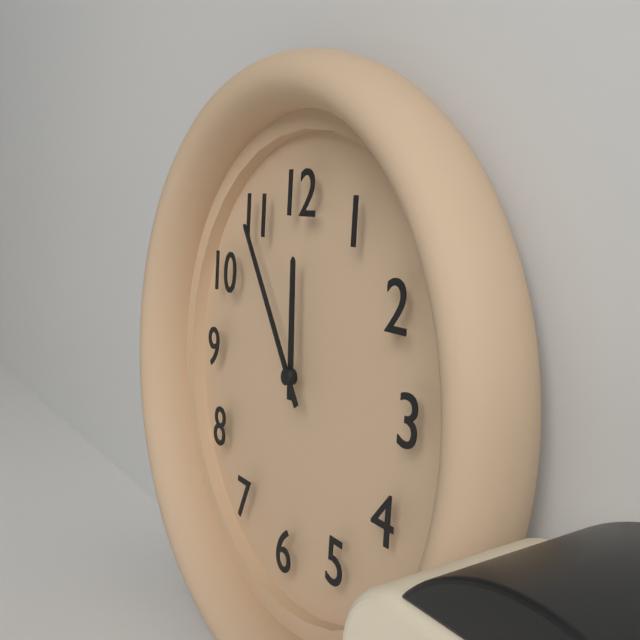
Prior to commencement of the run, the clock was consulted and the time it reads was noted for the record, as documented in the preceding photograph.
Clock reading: 11:54
